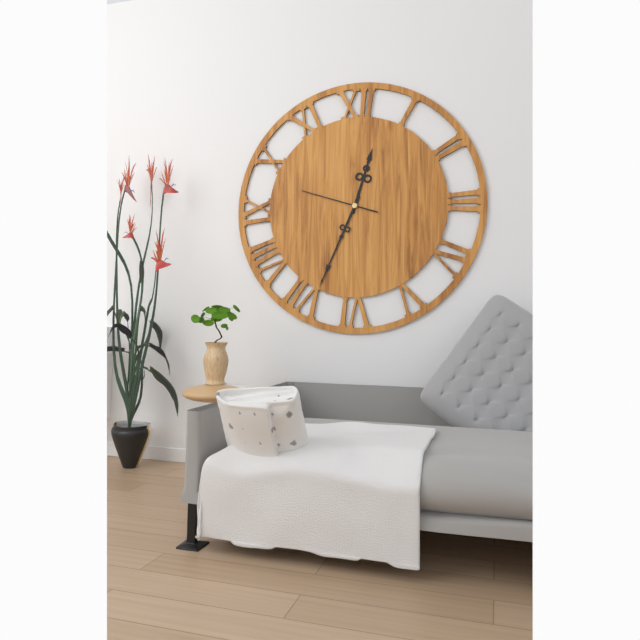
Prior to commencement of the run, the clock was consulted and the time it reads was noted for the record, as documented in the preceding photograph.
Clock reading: 12:34:48
